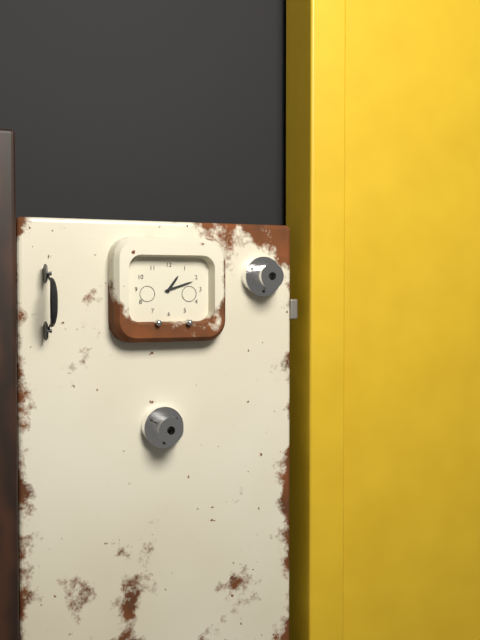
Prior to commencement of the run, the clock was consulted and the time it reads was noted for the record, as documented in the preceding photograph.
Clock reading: 1:12
